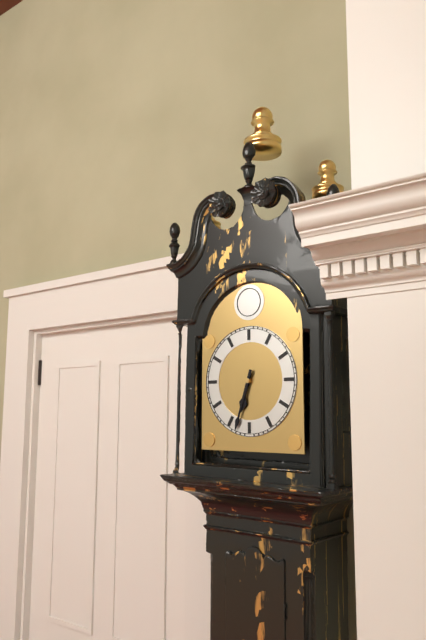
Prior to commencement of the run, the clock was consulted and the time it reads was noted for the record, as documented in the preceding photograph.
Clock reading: 6:33
